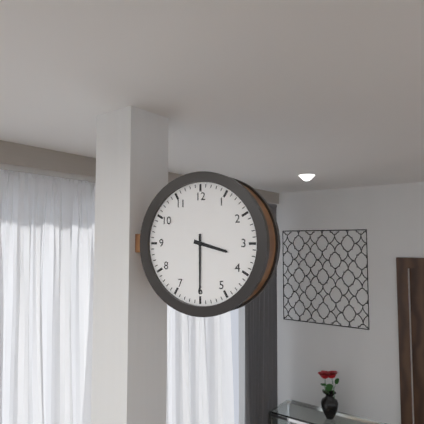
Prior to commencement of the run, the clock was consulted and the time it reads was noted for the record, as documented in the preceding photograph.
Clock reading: 3:30
